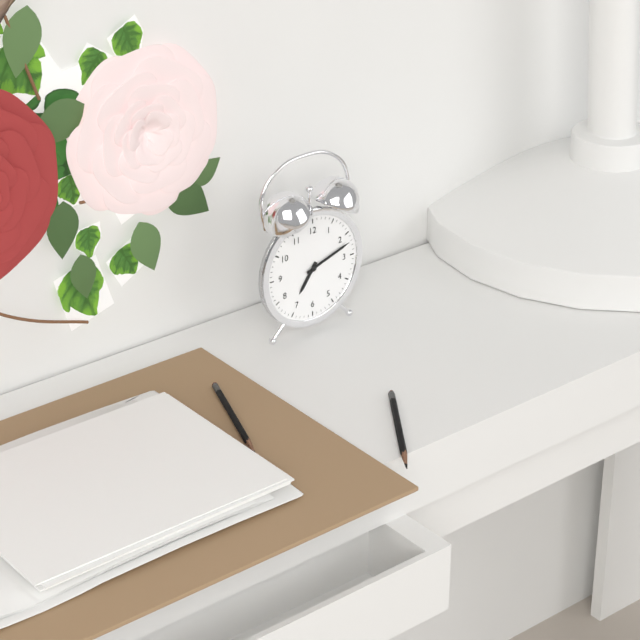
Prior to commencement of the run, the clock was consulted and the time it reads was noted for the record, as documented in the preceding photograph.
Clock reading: 7:12
